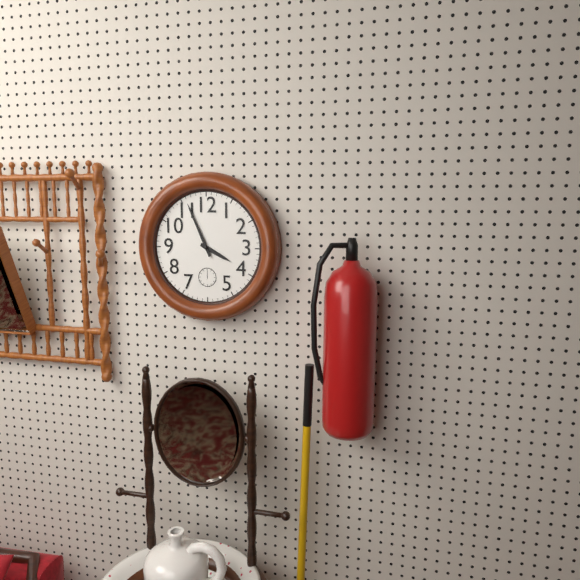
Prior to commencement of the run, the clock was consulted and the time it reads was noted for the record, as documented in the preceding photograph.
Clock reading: 3:56
